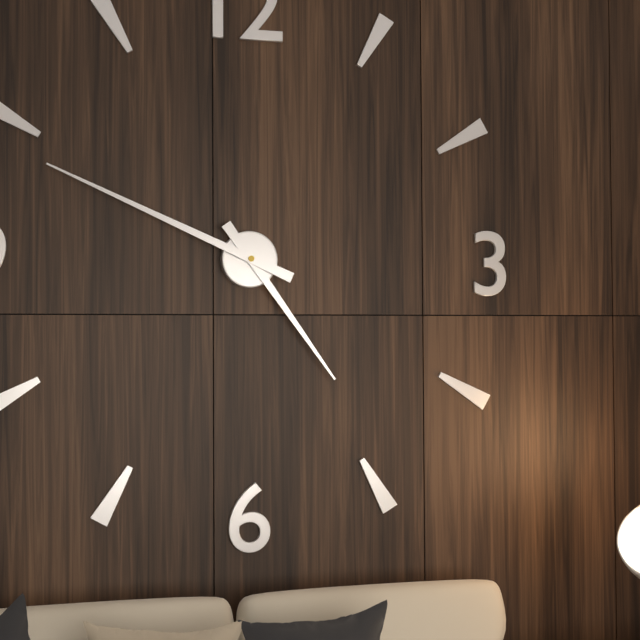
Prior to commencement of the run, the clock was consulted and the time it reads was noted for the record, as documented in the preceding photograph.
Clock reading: 4:49
